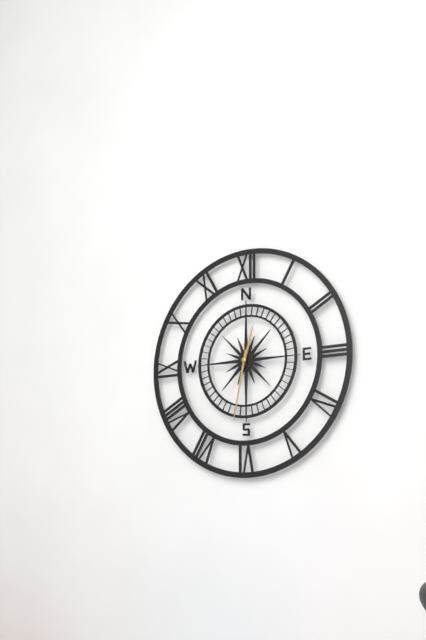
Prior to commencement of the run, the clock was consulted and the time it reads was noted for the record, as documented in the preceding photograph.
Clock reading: 12:32
